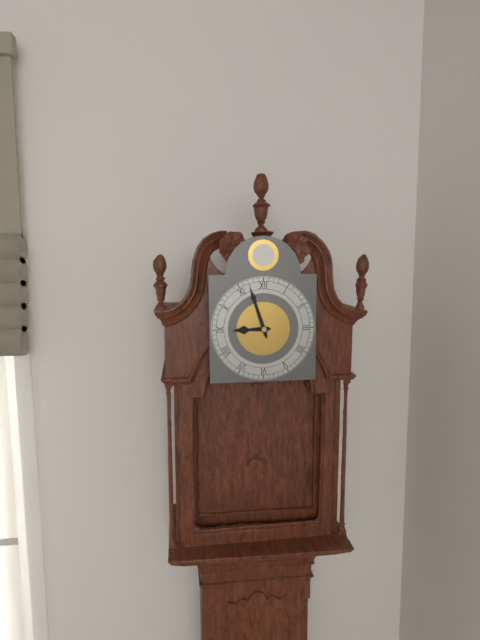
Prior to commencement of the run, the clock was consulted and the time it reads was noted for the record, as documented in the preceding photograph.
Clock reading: 8:57
